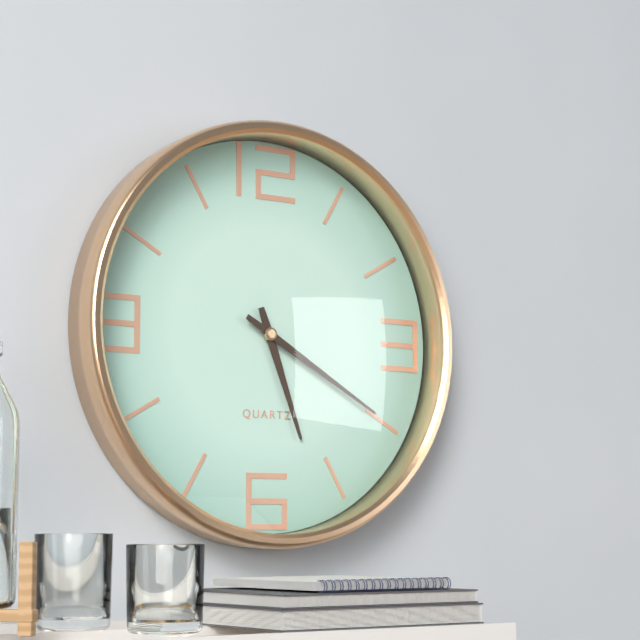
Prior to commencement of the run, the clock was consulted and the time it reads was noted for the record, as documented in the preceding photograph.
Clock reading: 5:20
